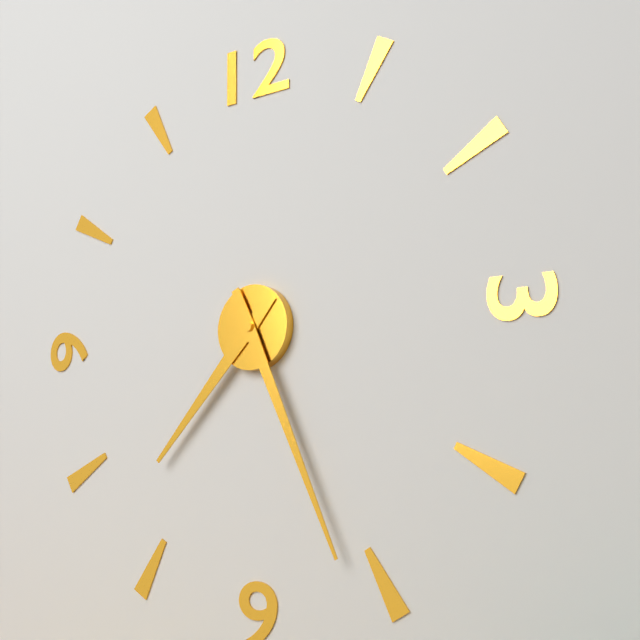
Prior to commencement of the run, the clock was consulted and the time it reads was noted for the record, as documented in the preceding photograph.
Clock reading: 7:26
